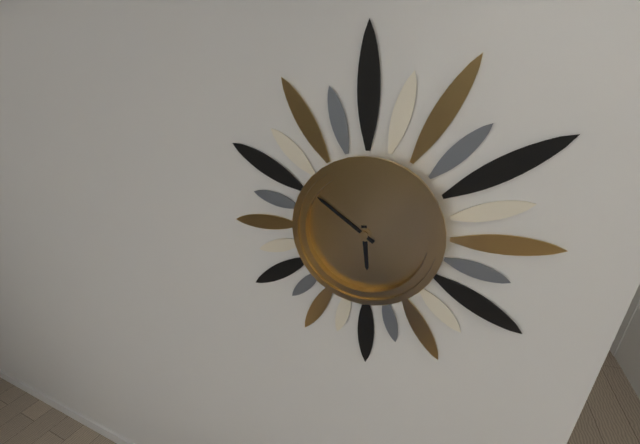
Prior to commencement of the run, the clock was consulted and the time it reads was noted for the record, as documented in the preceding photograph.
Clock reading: 5:51
